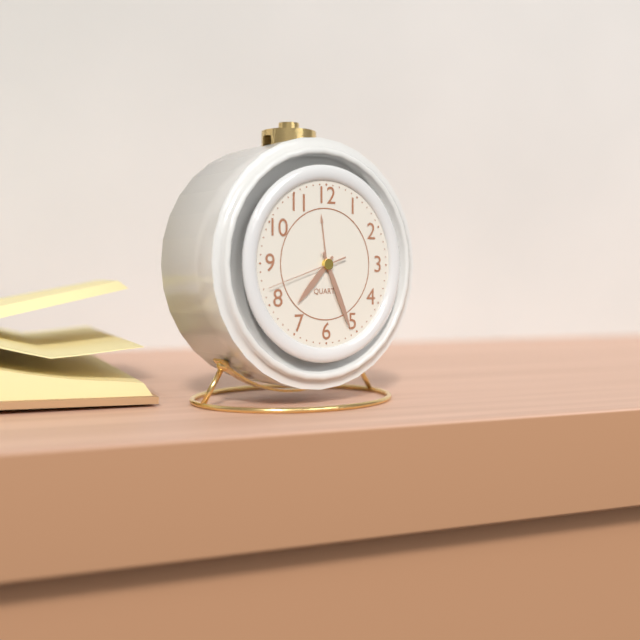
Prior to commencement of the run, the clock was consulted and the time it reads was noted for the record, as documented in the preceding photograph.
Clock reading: 7:26:42
